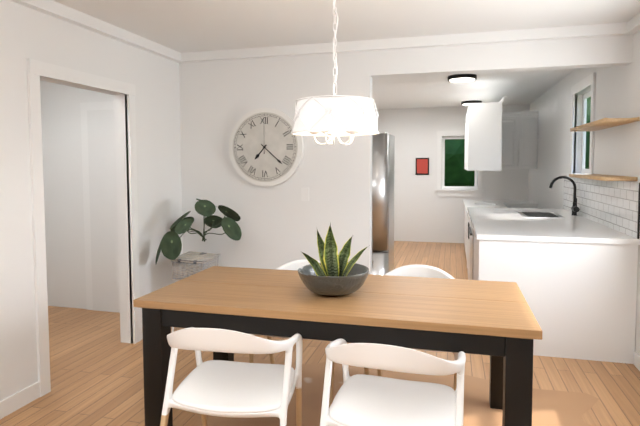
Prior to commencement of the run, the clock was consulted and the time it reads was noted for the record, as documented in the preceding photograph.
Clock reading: 7:22
